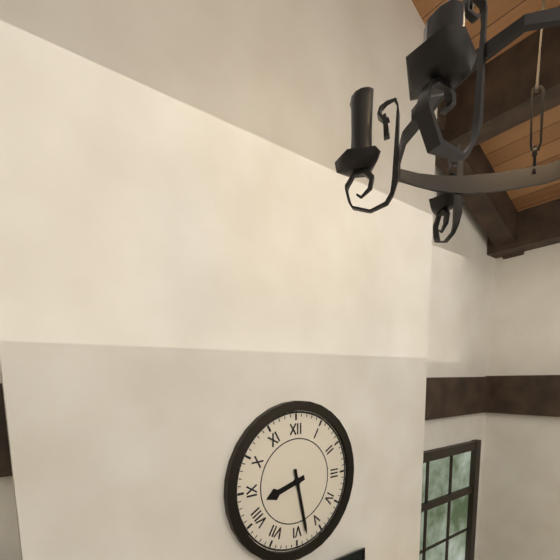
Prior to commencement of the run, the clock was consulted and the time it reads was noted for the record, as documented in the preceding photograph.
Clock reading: 8:28
